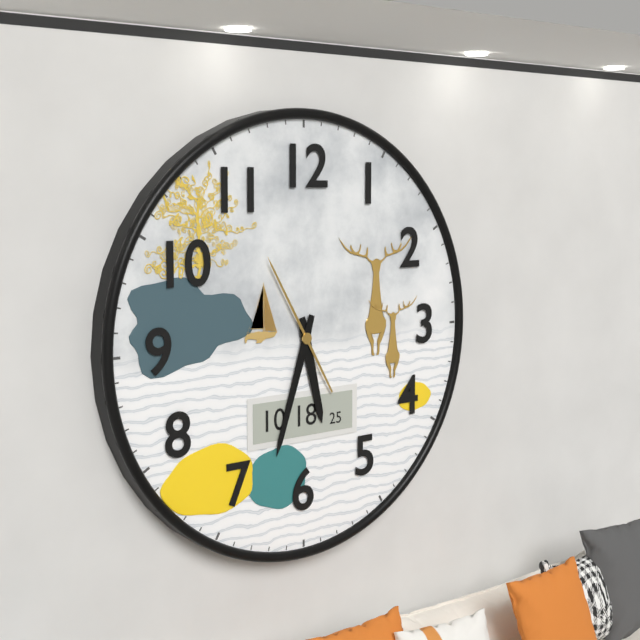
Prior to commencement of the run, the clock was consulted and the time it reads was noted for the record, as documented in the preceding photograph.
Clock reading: 5:33:55
